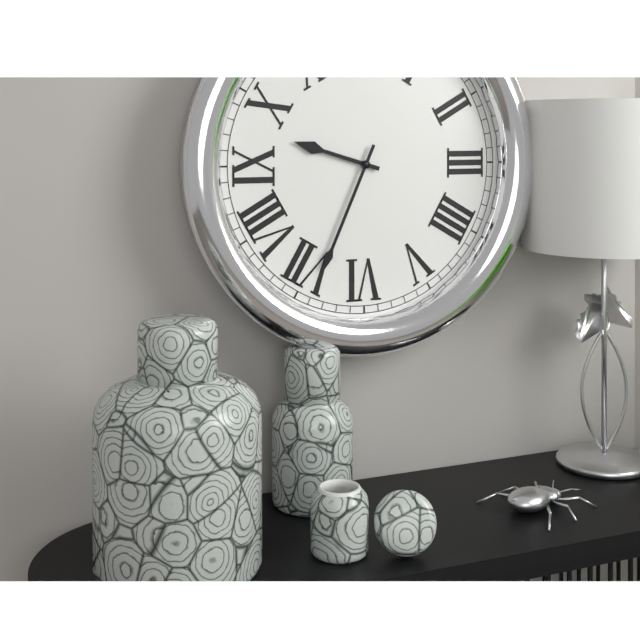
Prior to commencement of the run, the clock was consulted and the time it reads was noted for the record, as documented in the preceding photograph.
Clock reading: 9:34
